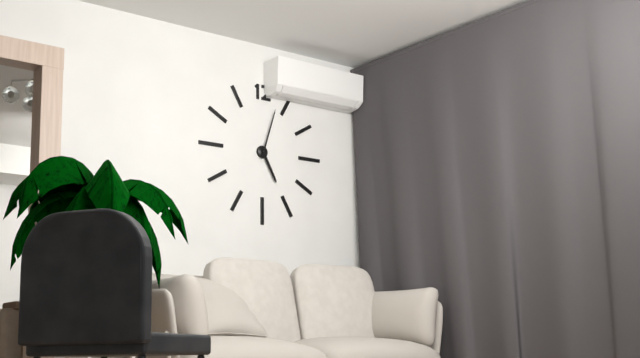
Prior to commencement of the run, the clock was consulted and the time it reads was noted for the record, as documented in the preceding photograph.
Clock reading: 5:03
